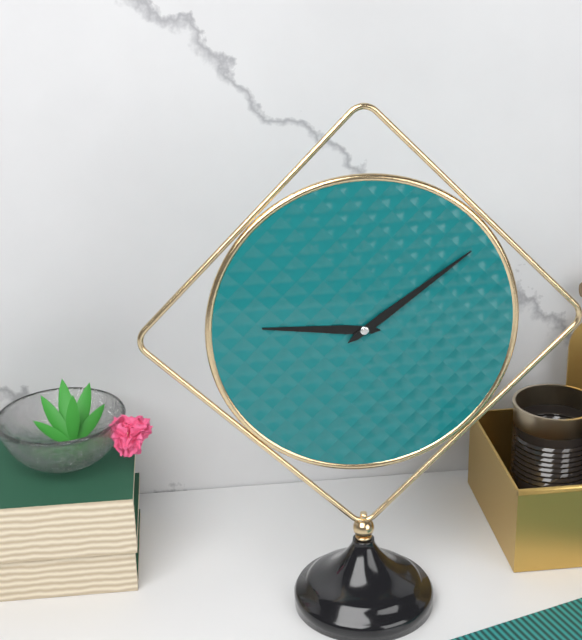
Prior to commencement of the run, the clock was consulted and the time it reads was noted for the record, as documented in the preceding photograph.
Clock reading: 9:09
